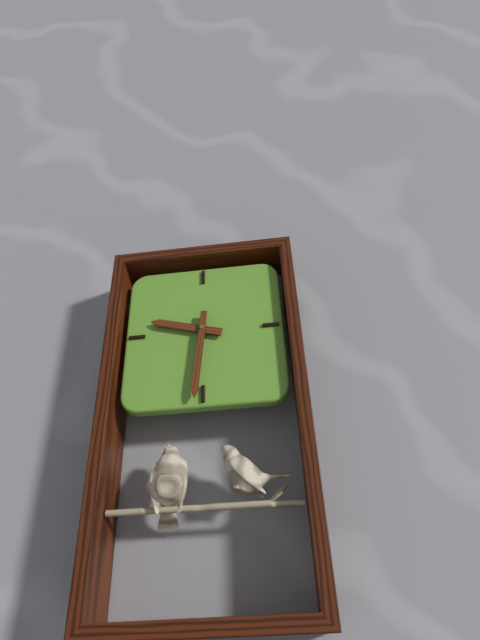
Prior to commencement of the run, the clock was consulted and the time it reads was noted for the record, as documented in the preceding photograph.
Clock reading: 9:31
